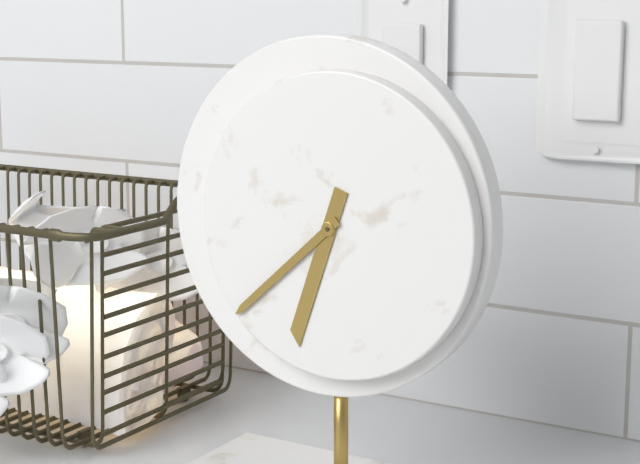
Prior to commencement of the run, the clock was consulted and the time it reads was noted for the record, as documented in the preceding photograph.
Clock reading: 6:38
